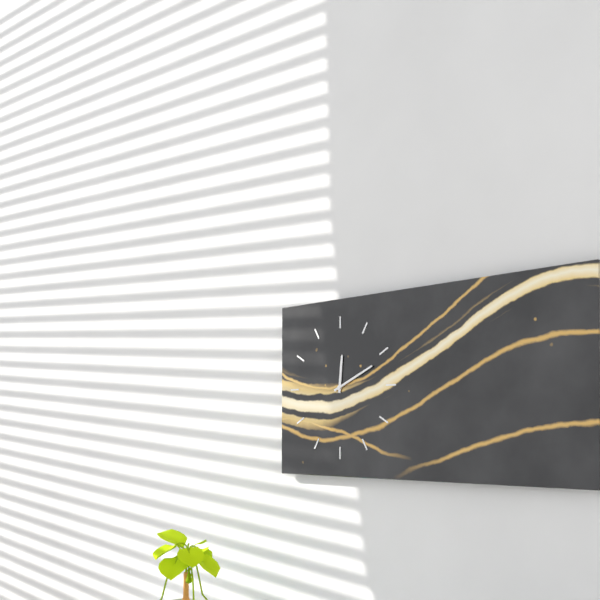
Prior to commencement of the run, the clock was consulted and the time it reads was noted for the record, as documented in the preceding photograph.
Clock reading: 12:11
